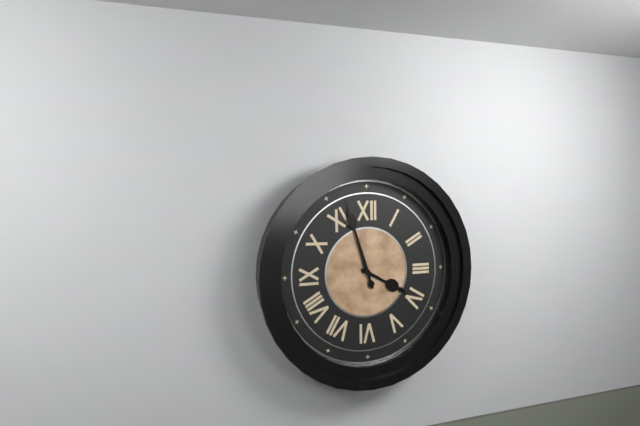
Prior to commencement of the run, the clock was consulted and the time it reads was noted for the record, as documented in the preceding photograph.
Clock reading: 3:57
